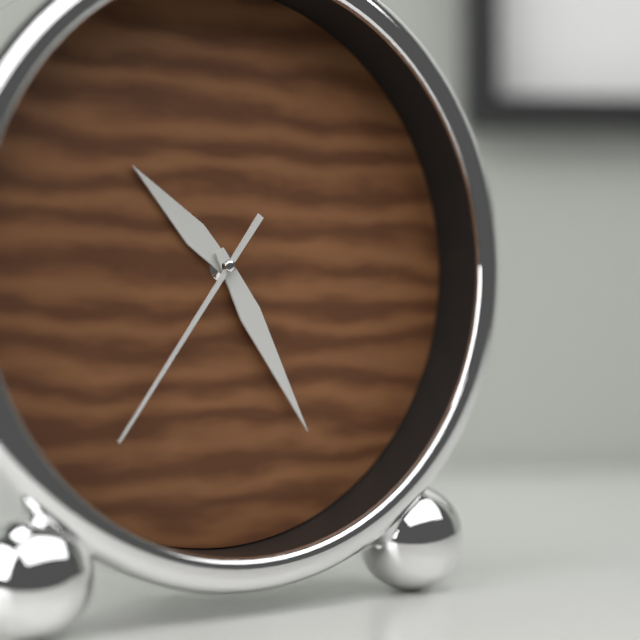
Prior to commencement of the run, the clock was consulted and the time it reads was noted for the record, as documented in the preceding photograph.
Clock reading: 10:25:36
